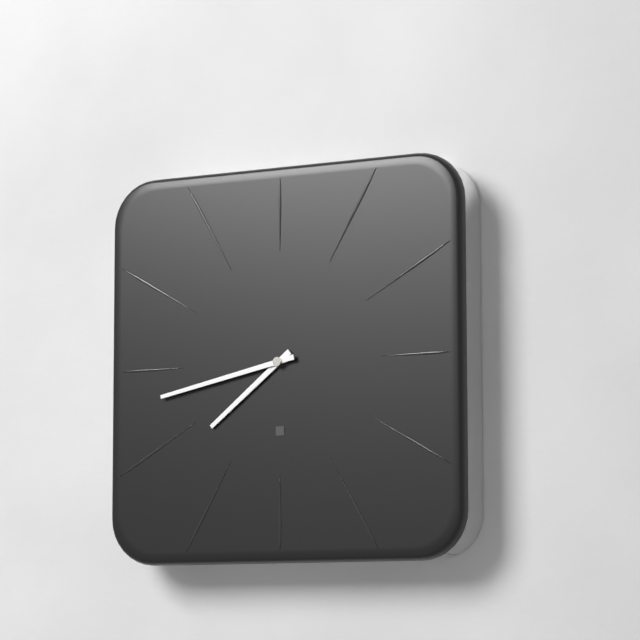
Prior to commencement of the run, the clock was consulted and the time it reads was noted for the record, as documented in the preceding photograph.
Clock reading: 7:43
